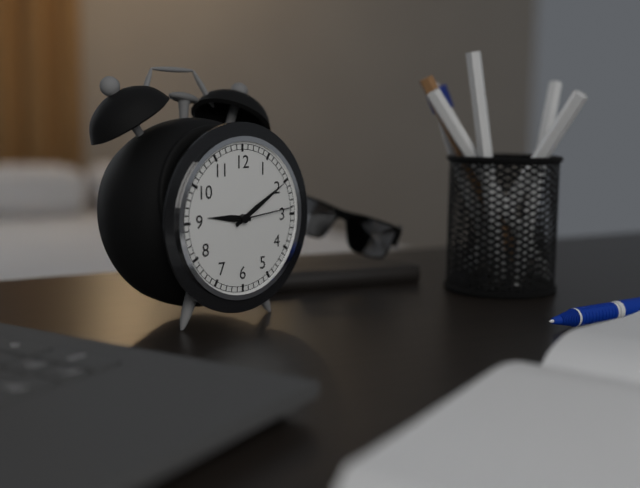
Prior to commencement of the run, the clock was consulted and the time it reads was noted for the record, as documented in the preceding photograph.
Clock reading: 9:10:14
